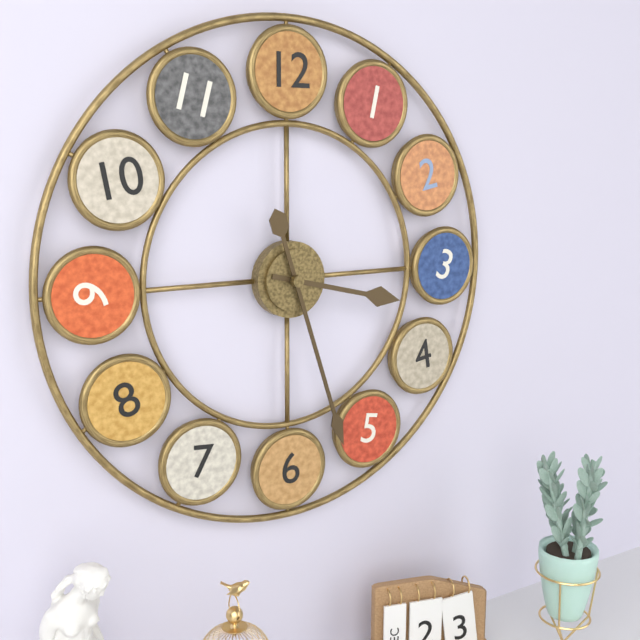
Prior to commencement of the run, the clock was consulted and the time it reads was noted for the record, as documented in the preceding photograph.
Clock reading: 3:27
